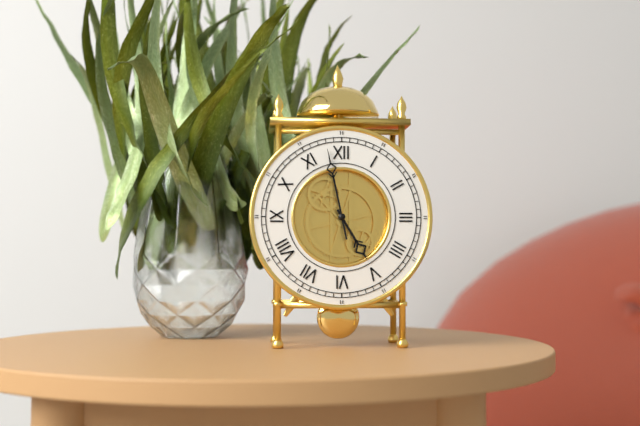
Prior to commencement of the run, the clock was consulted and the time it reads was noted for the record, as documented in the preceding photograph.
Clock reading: 4:58
